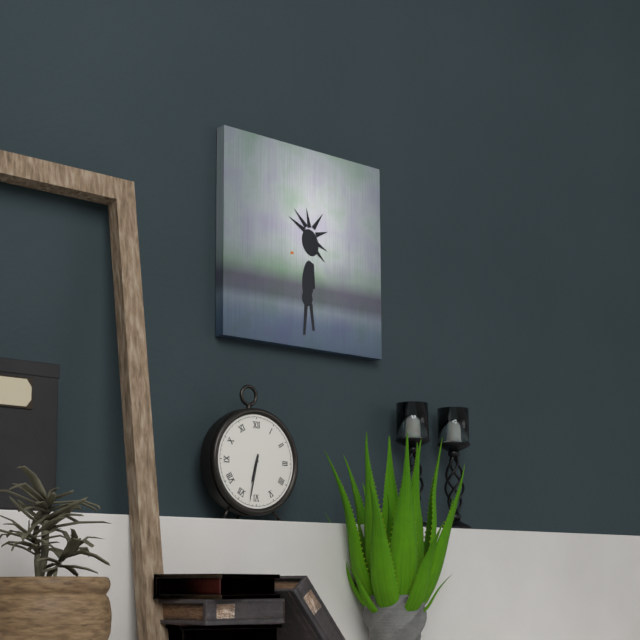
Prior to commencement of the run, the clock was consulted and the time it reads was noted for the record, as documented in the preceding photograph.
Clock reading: 6:32
